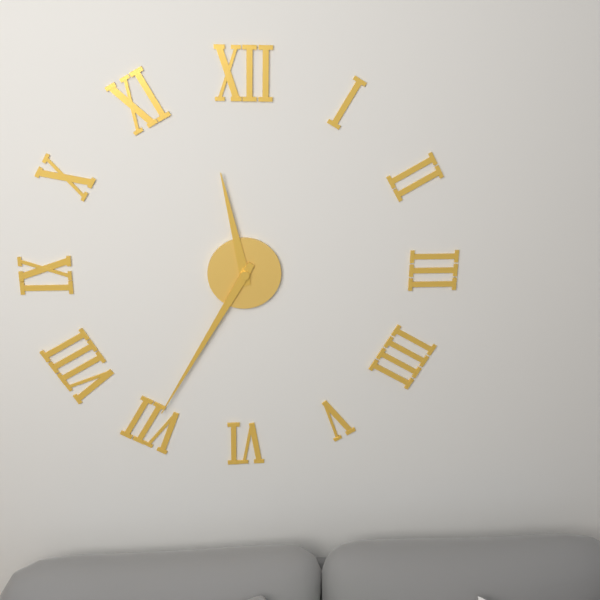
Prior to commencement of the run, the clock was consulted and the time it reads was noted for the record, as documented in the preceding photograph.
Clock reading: 11:35
